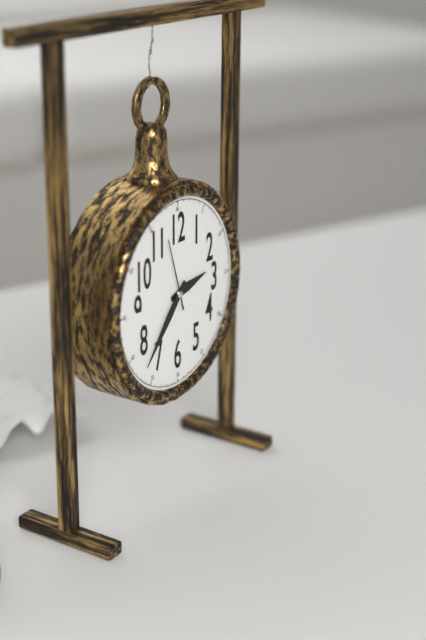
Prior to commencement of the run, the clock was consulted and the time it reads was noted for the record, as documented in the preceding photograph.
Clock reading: 2:37:57
